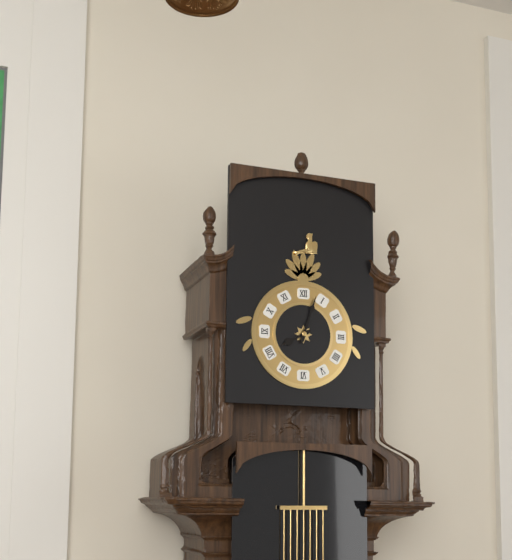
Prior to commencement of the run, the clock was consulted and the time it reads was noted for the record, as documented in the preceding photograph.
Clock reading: 8:03
